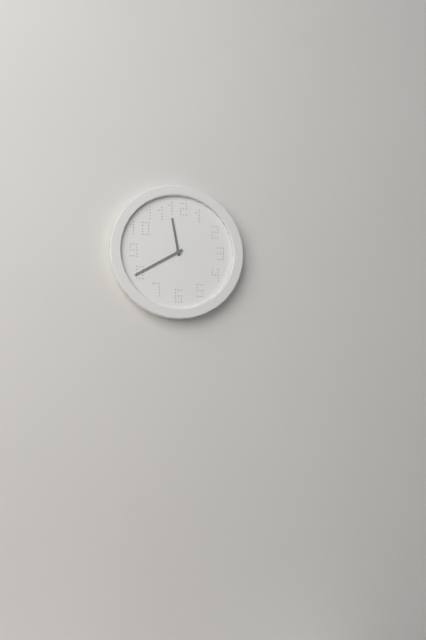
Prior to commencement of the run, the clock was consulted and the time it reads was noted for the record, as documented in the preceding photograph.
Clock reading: 11:40
